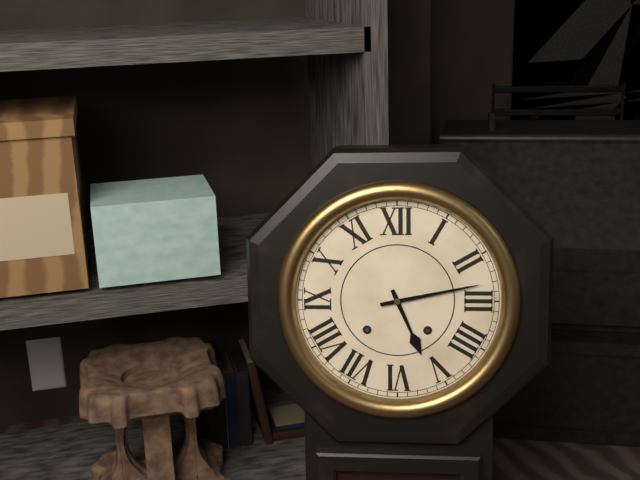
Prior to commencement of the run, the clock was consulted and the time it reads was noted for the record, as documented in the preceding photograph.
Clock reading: 5:13
